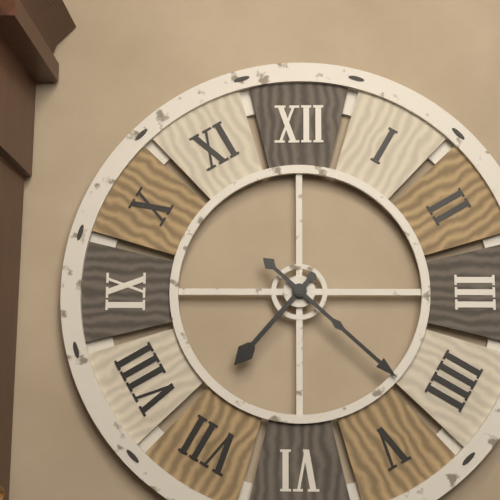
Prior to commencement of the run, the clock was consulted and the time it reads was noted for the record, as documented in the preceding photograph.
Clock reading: 7:22
